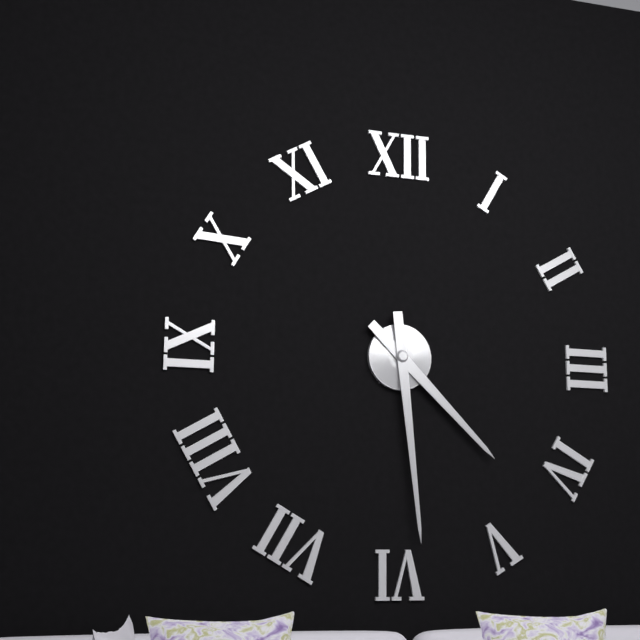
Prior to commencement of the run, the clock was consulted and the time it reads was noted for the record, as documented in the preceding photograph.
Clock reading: 4:29
